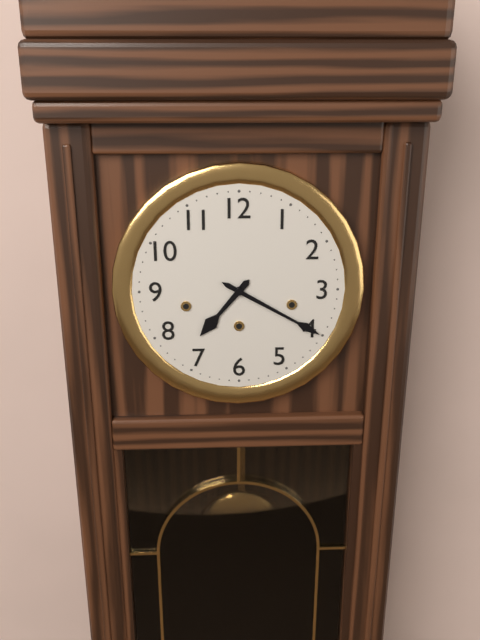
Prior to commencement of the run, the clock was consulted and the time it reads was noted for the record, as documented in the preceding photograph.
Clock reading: 7:20
